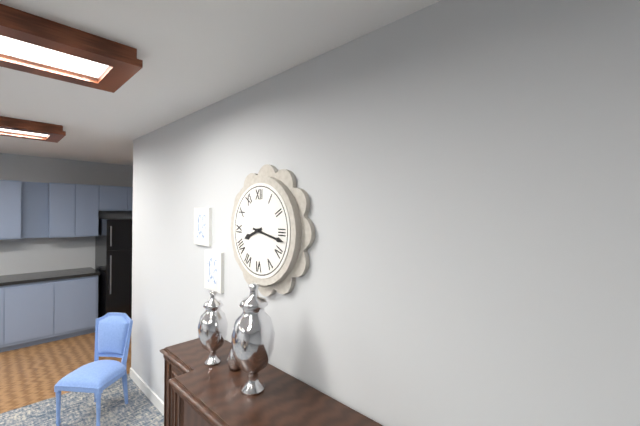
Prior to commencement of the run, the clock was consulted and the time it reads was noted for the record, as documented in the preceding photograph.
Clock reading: 8:17
